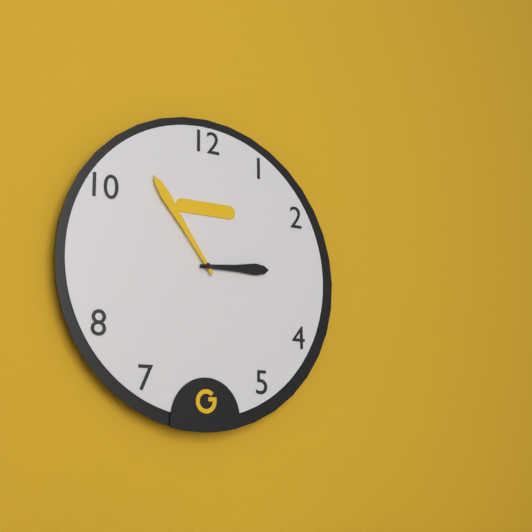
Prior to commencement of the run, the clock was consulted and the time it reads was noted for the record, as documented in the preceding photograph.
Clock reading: 2:54
